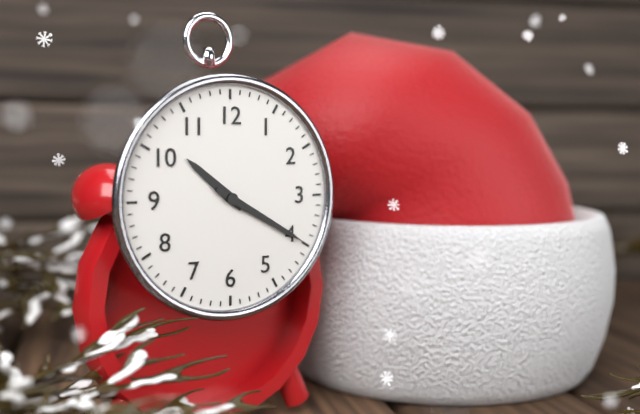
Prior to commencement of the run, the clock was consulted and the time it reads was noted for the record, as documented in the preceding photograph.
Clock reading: 10:20
